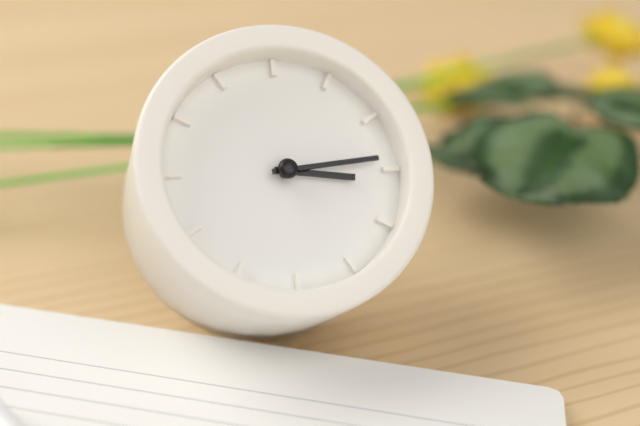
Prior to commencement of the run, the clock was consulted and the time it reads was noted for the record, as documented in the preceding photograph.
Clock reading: 3:14
